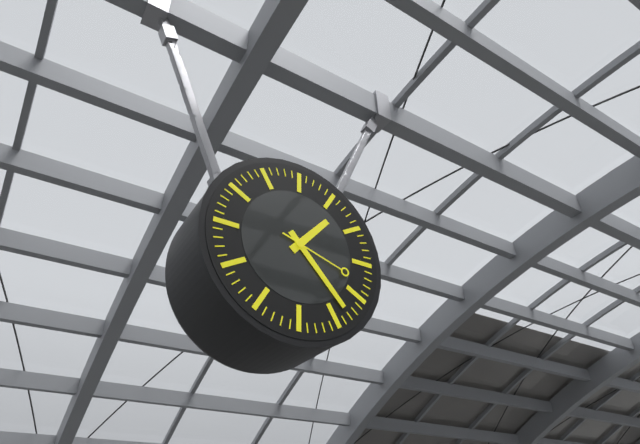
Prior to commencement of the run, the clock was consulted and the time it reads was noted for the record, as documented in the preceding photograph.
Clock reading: 1:23:18
